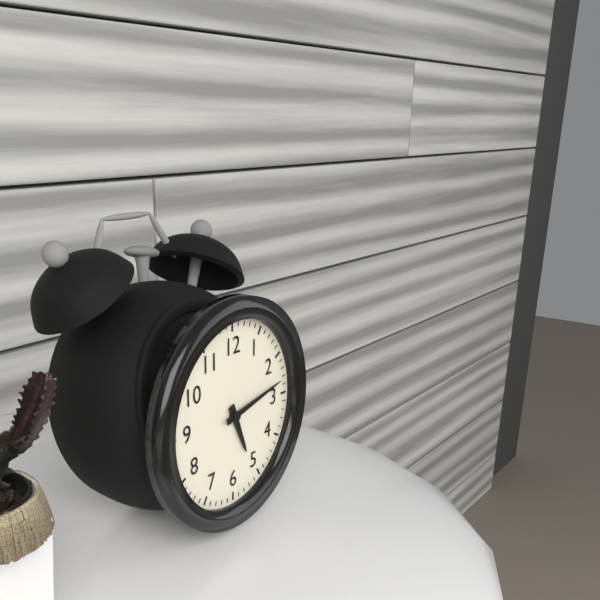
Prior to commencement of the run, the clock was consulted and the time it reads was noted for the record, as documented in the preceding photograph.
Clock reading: 5:13
